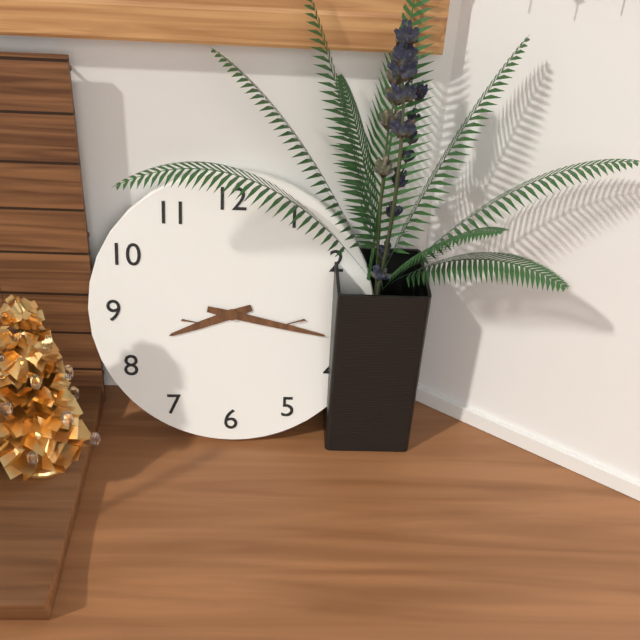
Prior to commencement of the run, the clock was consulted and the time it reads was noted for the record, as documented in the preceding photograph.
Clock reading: 8:17
